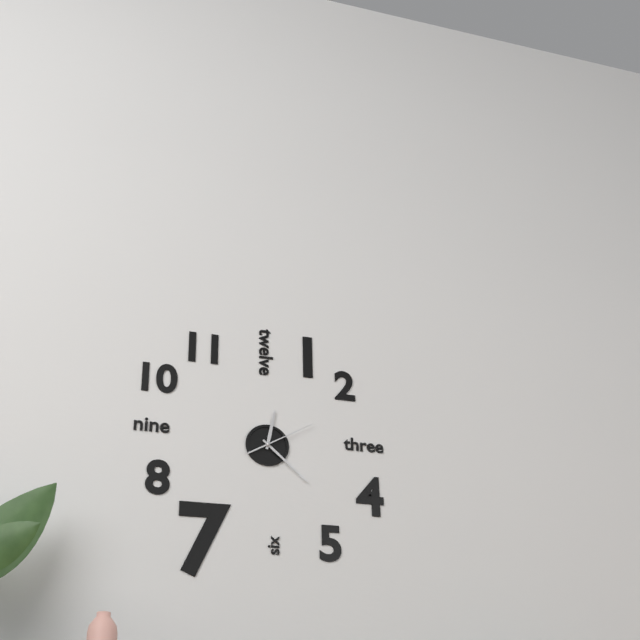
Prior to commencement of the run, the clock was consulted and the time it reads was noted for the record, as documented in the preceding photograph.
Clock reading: 12:22:10
